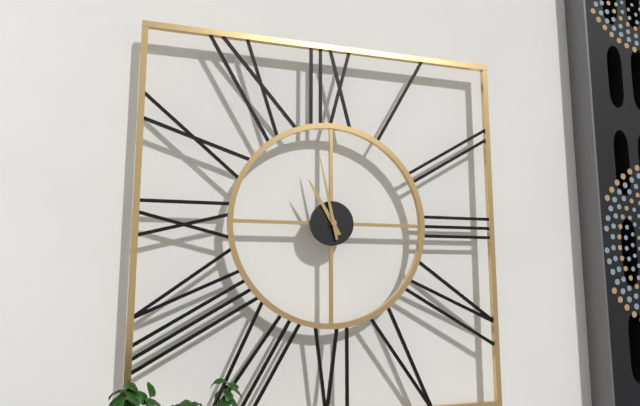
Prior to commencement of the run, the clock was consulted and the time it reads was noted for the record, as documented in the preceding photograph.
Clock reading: 10:58
